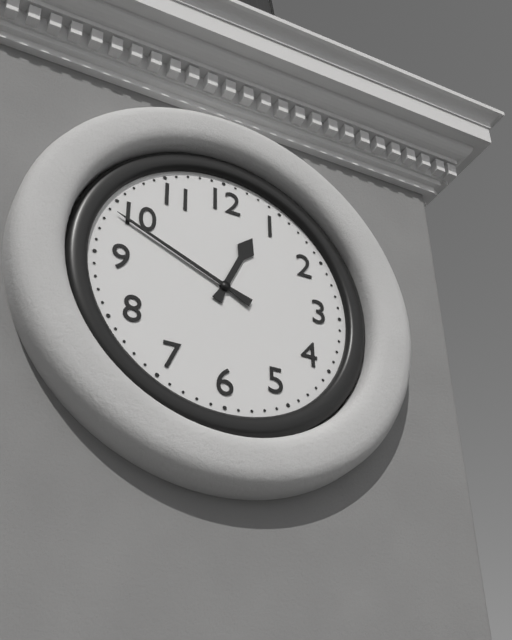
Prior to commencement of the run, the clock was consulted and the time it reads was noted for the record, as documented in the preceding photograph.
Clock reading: 12:49
